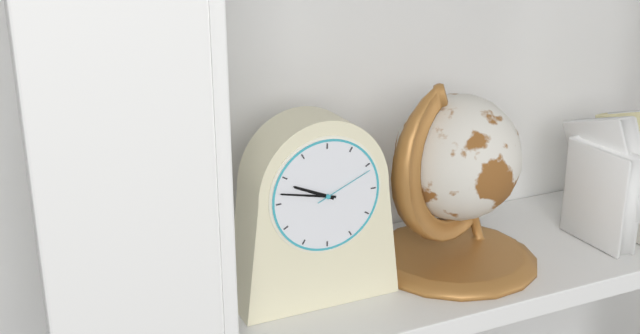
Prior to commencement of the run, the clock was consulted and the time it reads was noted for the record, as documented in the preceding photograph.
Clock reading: 9:47:11
